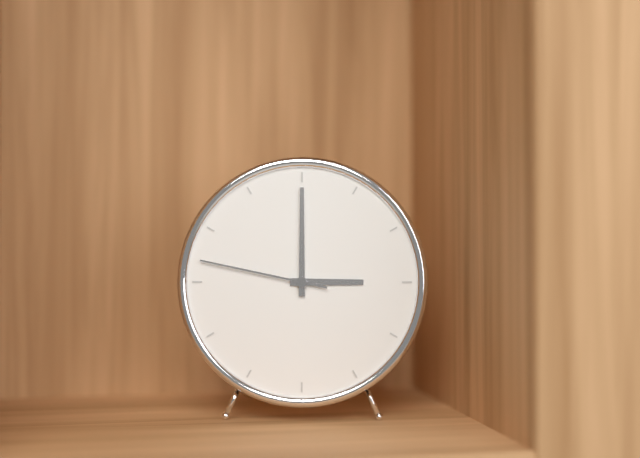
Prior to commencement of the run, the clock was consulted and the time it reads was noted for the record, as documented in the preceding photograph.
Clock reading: 3:00:47
